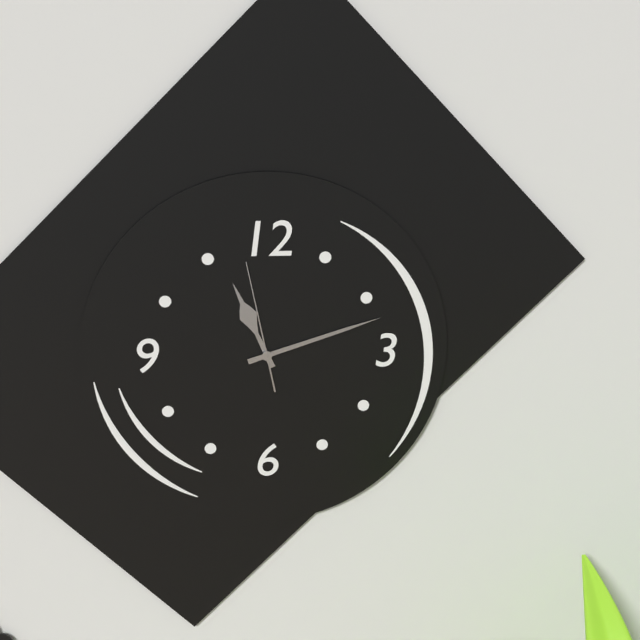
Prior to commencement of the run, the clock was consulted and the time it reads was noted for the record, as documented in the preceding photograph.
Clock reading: 11:12:58
